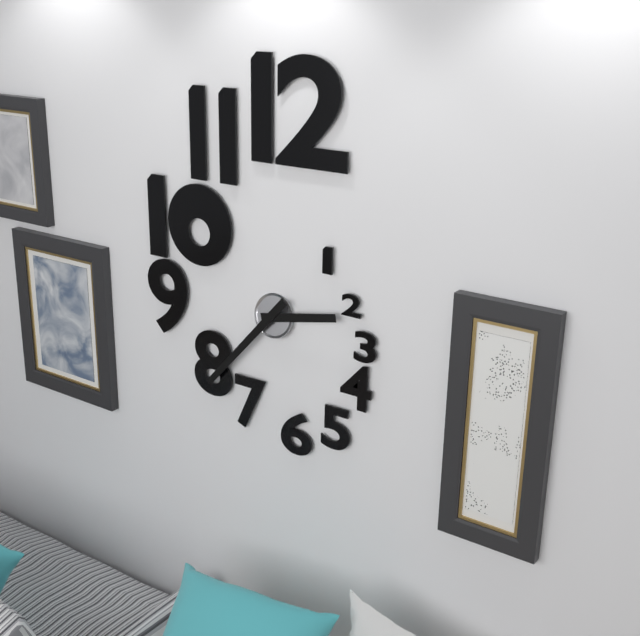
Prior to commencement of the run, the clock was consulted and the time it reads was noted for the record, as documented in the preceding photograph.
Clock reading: 2:37
